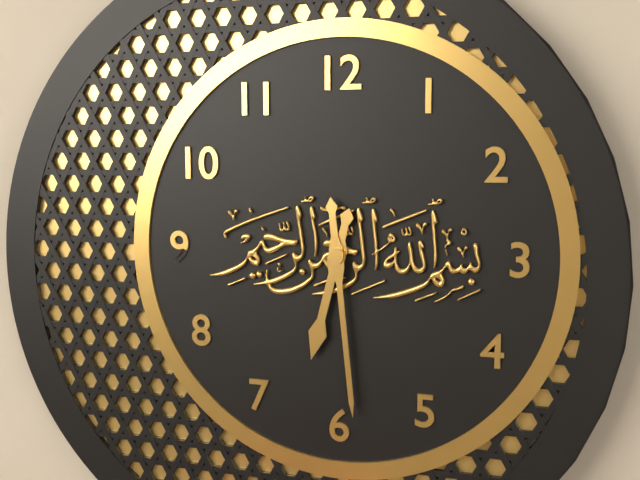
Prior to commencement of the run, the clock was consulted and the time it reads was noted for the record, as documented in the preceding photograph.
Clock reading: 6:29
